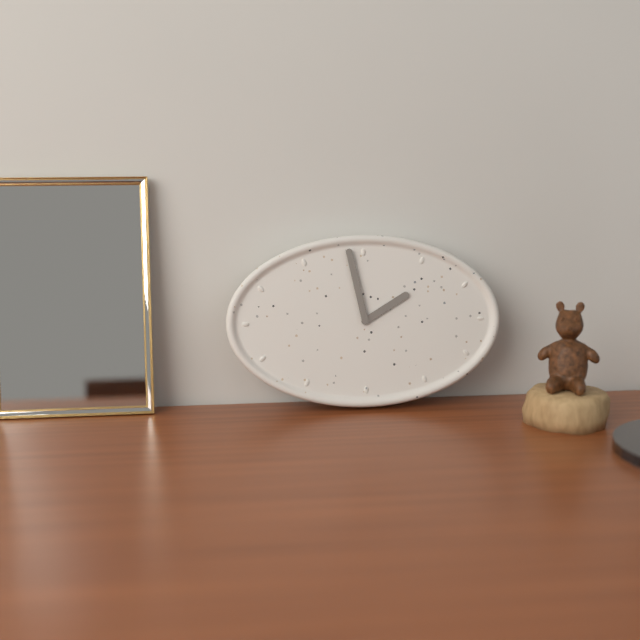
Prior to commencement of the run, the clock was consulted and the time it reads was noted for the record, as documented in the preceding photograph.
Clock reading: 1:58
